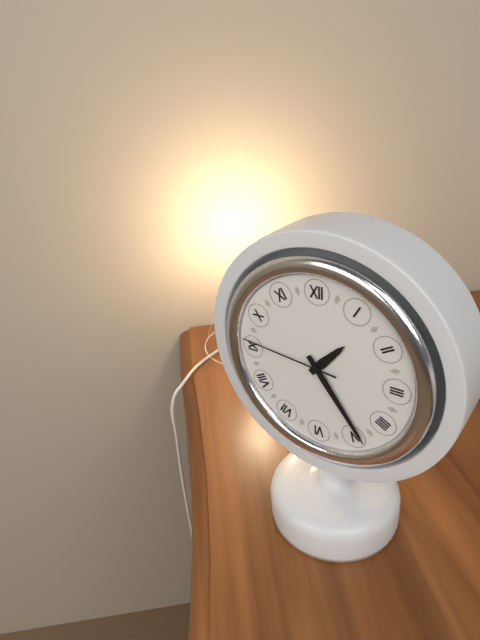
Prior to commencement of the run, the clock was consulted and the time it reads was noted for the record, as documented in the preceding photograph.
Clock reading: 1:24:46
